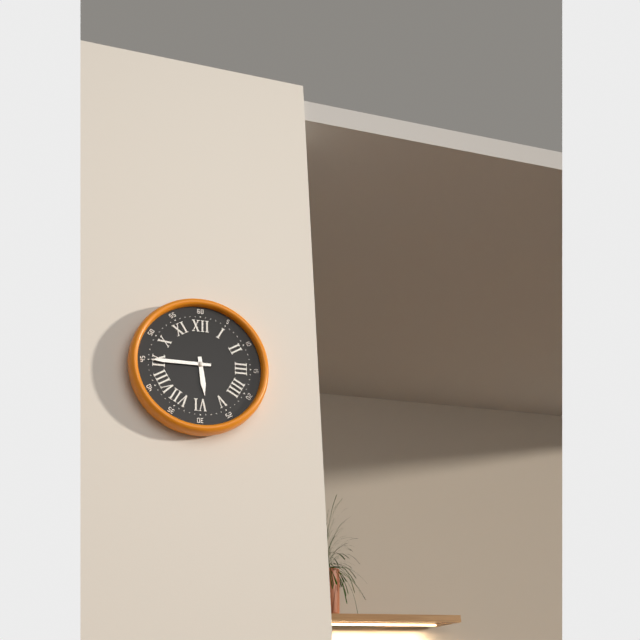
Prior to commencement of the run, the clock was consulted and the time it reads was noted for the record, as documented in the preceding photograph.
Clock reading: 5:45
